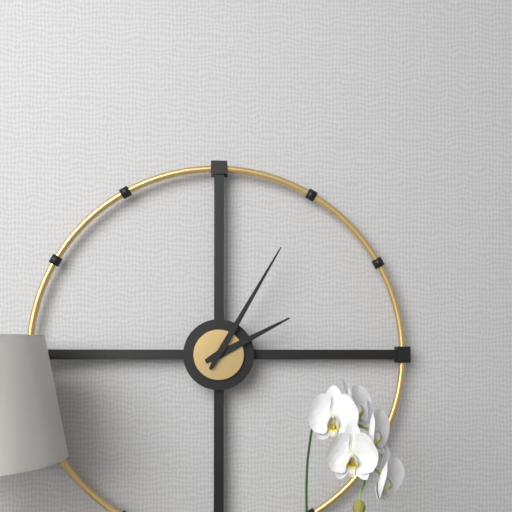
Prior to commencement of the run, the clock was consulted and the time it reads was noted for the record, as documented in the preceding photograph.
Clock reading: 2:05
